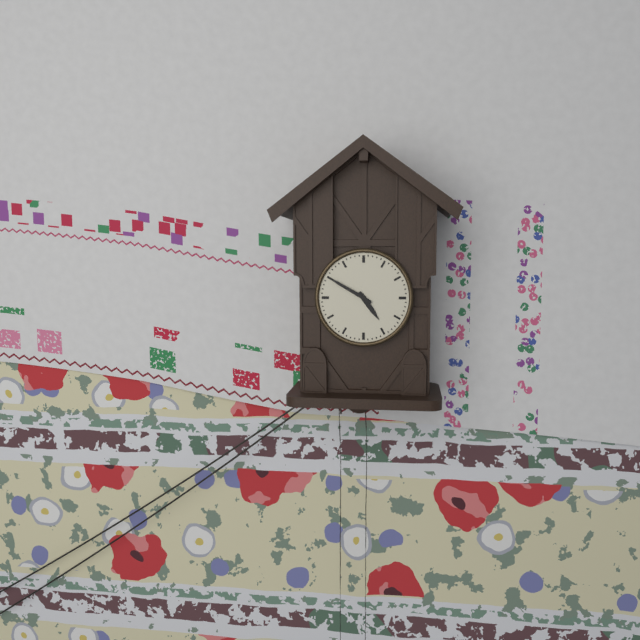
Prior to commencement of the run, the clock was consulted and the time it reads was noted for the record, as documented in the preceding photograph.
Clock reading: 4:50
